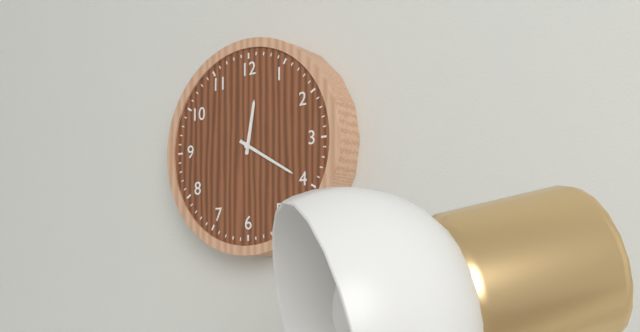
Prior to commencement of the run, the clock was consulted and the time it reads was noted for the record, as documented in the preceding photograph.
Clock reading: 12:20
